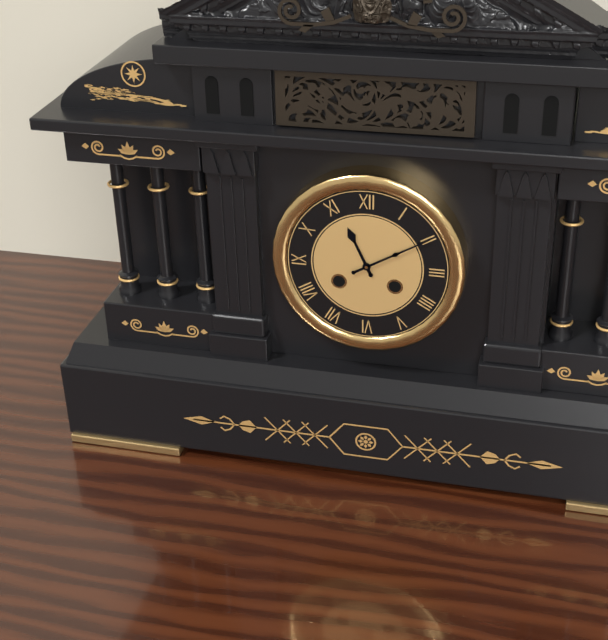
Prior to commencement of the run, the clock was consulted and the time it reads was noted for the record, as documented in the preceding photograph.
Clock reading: 11:10
